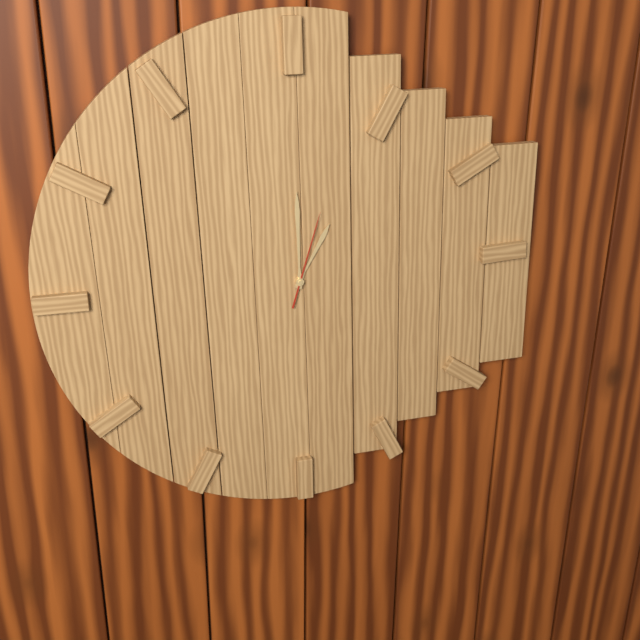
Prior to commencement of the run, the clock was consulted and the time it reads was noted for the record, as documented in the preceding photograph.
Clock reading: 1:00:03
